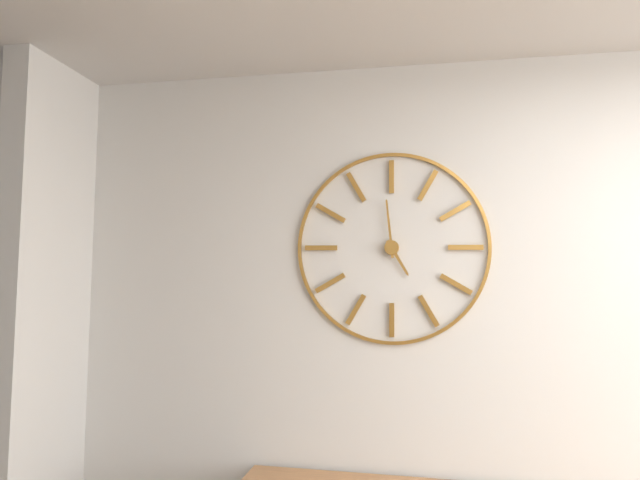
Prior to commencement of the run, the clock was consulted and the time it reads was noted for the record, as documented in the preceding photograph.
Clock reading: 4:59
